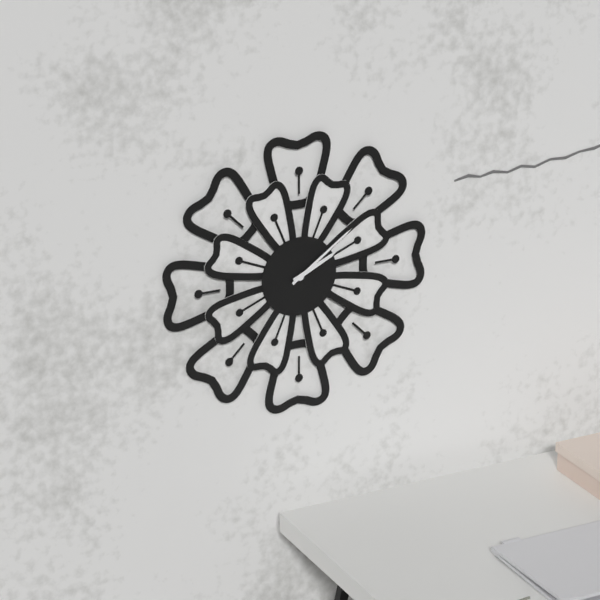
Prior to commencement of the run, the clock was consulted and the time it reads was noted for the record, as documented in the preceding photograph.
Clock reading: 2:09
